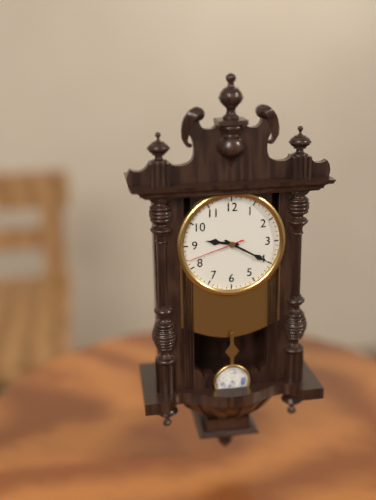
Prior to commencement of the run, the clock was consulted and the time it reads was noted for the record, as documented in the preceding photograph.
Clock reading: 9:20:42
